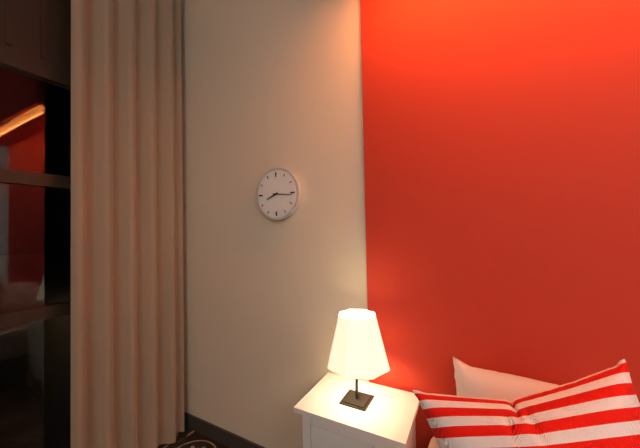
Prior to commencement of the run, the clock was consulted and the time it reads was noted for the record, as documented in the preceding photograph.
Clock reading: 8:16
